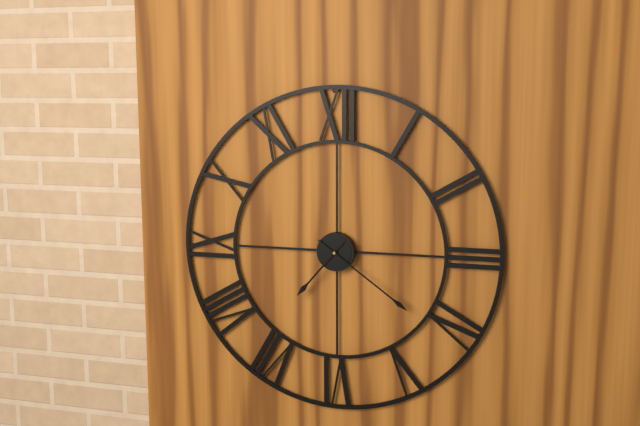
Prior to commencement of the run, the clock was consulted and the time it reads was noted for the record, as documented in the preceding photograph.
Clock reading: 7:21
